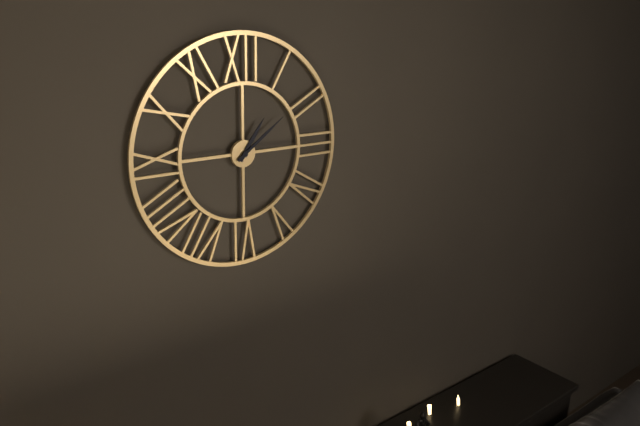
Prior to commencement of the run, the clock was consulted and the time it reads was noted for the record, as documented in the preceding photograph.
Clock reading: 1:09
